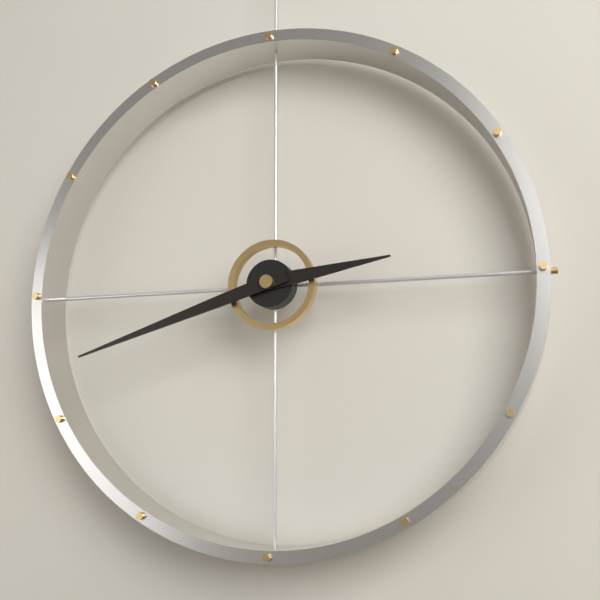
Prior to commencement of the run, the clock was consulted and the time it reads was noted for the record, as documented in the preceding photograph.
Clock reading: 2:42
